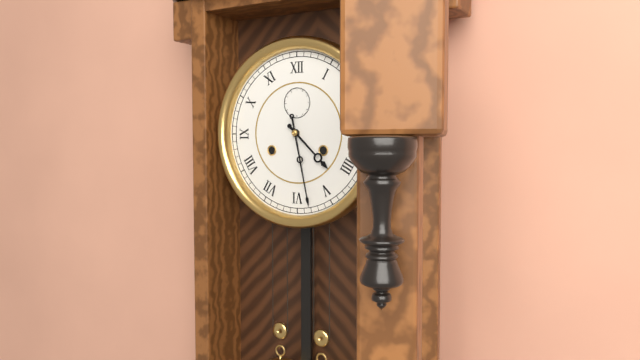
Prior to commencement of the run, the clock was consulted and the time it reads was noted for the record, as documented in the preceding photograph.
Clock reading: 4:28
